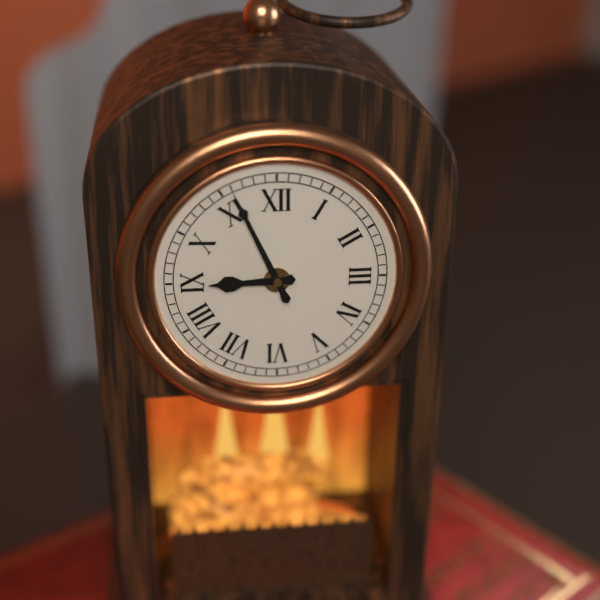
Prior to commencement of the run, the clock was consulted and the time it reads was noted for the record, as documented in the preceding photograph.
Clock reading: 8:56
